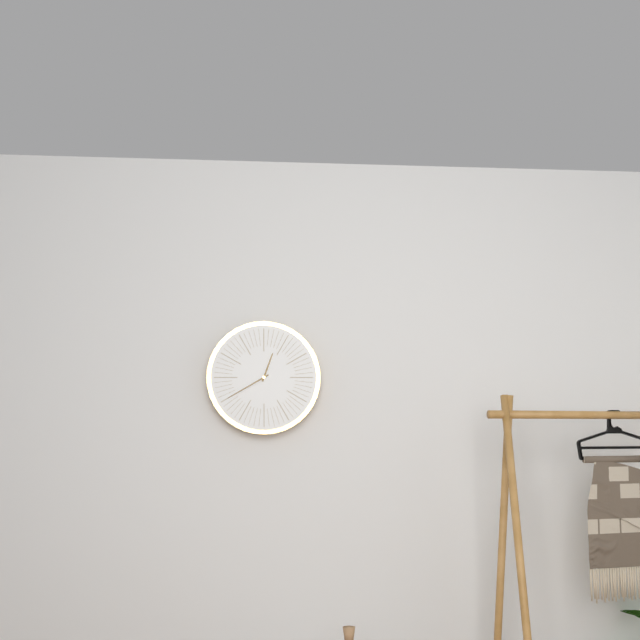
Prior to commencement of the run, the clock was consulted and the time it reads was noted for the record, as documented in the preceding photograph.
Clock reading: 12:40
